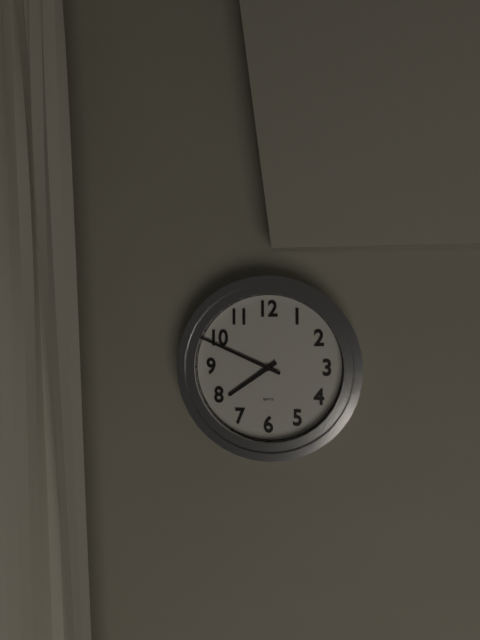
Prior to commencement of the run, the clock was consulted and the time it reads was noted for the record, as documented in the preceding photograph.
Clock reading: 7:49
